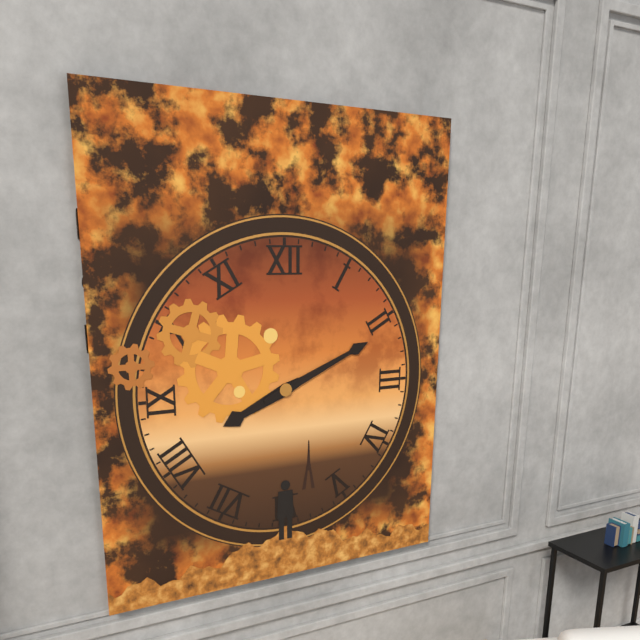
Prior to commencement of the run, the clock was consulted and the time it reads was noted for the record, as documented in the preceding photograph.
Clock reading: 8:11
